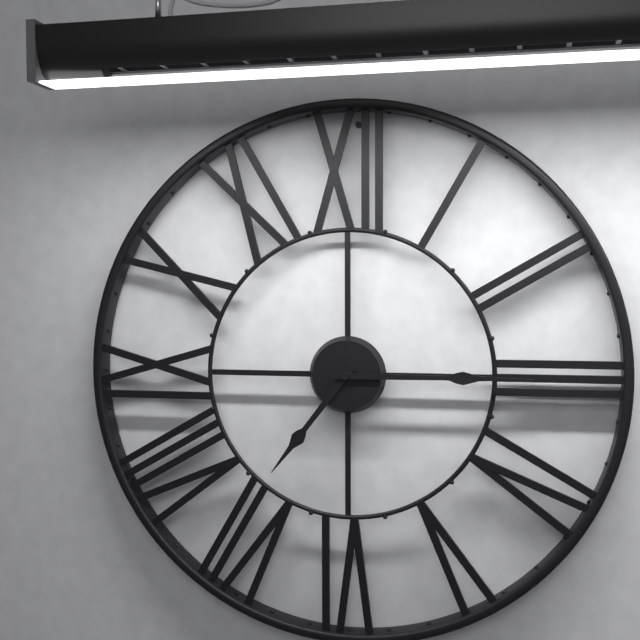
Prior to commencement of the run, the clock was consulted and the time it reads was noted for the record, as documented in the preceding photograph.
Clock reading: 7:15
